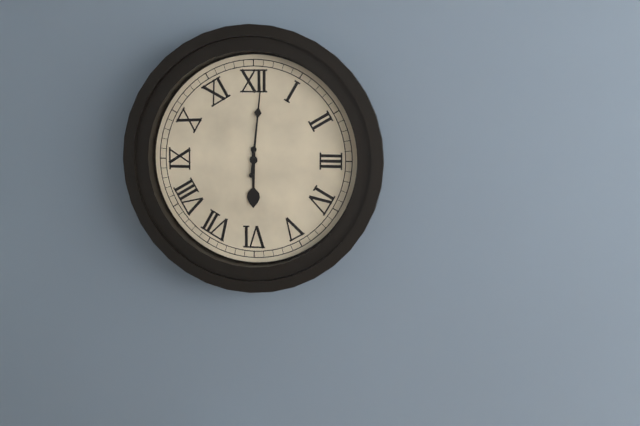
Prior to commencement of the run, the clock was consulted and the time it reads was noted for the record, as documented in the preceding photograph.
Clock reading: 6:01
